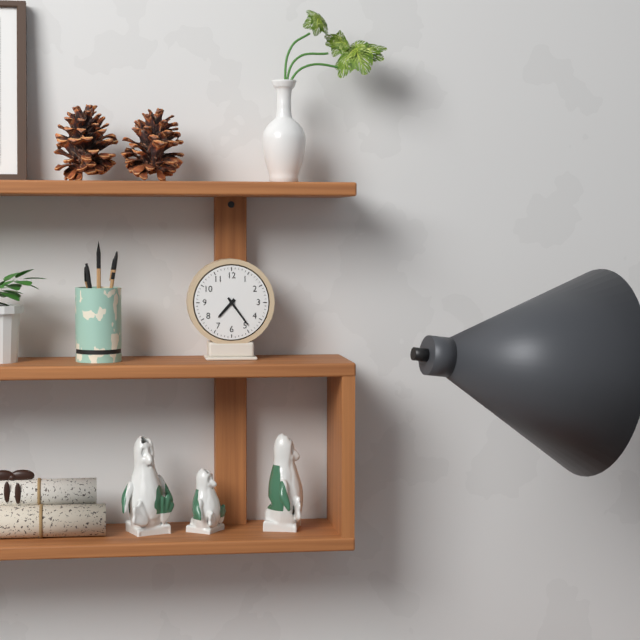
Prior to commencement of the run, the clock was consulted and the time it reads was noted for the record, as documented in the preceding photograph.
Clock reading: 7:24
